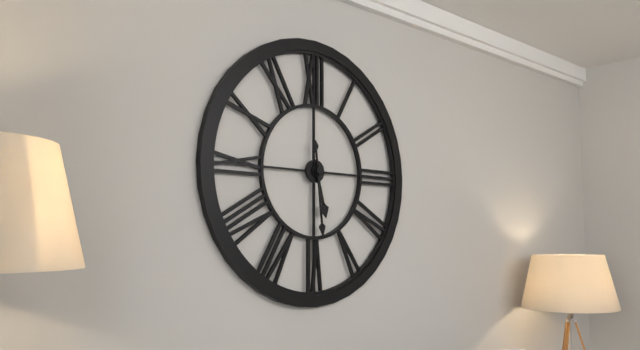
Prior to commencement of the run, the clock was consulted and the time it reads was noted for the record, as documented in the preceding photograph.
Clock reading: 5:29
